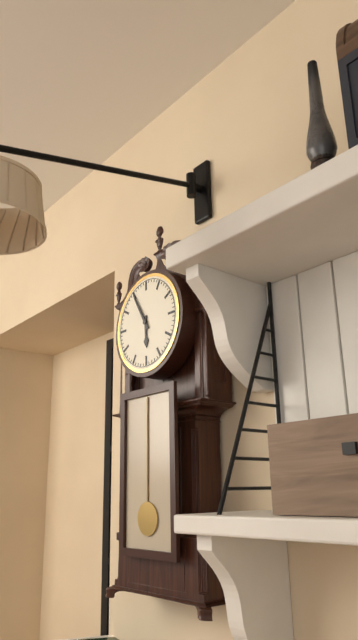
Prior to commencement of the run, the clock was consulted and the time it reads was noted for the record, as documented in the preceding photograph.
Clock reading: 5:55
